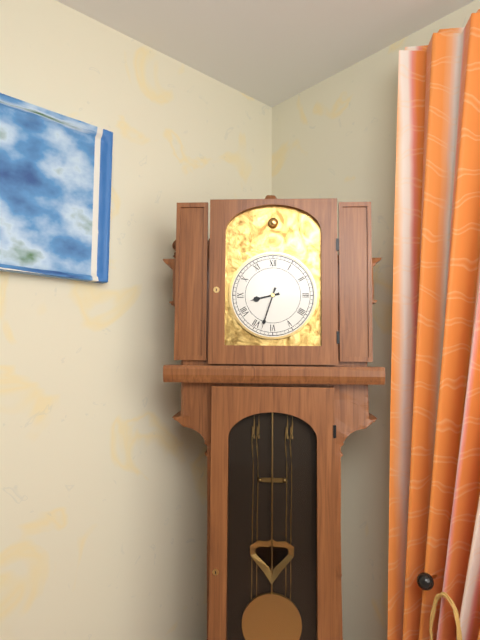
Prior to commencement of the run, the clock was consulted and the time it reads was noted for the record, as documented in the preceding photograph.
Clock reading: 8:33
